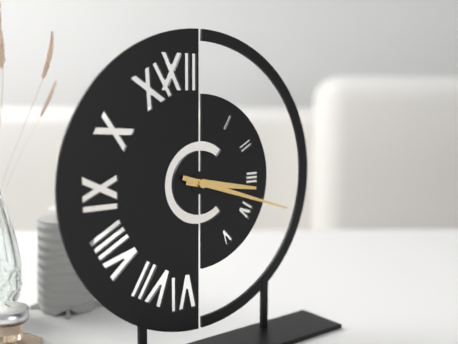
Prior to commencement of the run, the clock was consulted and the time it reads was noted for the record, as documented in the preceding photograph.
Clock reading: 3:18
